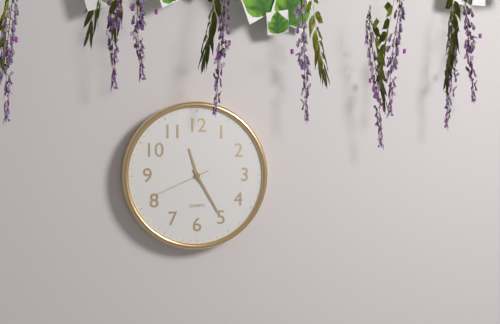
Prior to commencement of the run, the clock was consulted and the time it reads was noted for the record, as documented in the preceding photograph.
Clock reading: 11:25:41
